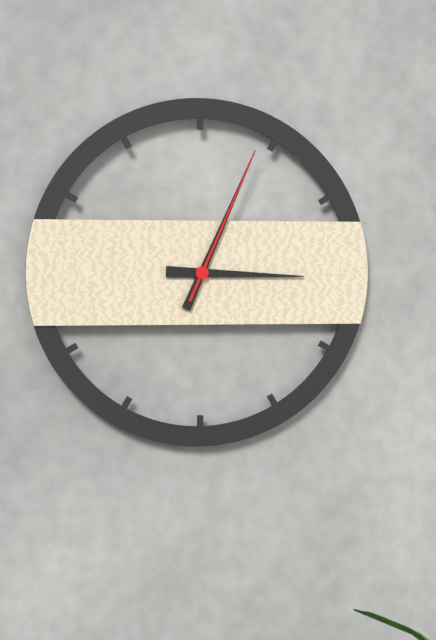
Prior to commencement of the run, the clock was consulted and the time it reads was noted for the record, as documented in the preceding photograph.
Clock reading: 3:04:04
